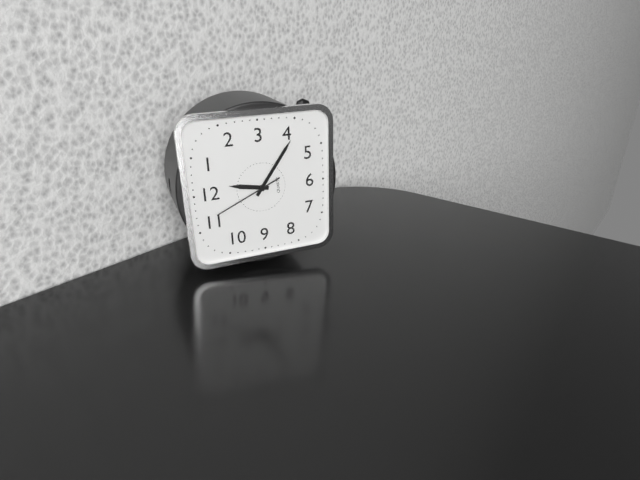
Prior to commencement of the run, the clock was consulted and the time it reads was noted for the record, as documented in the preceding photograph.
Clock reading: 12:21:56
